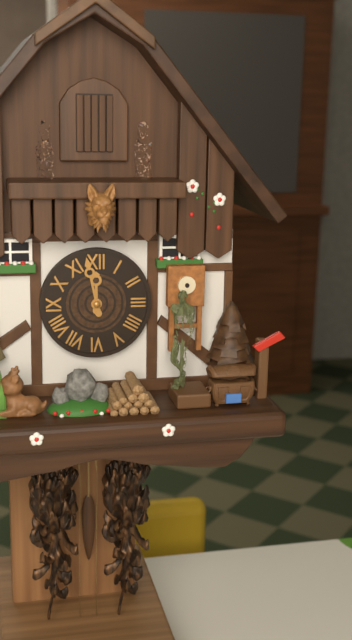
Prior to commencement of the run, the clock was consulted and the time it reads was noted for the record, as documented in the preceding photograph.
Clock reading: 11:58
